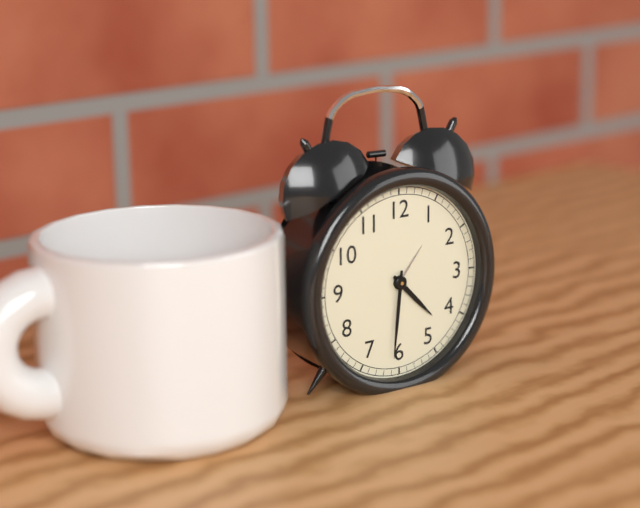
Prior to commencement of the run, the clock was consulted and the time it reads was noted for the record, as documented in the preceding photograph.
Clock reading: 4:31
